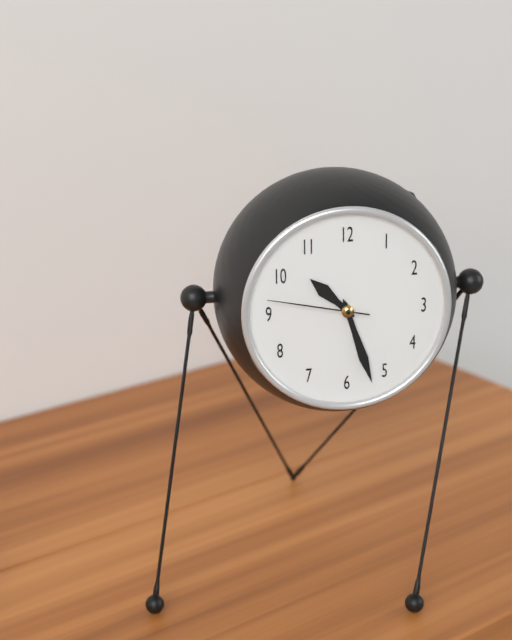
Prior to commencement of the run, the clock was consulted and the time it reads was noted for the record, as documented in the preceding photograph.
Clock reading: 10:27:47
